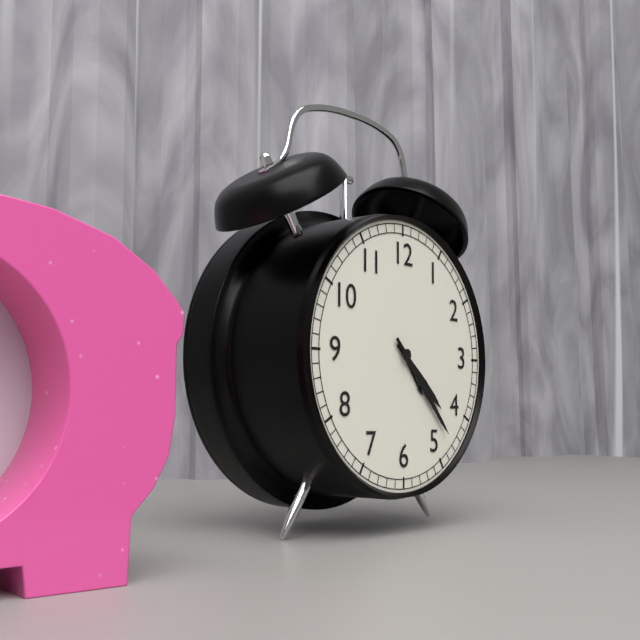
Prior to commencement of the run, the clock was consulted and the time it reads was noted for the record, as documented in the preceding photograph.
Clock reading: 4:23
